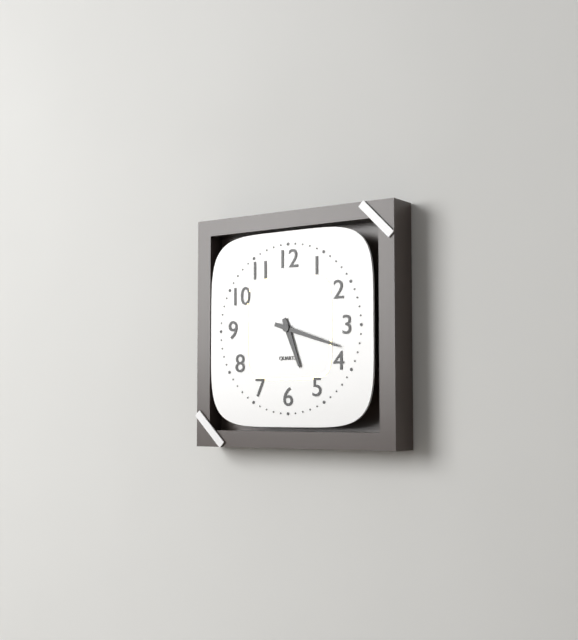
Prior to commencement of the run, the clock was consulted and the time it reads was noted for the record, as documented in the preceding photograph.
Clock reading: 5:18
